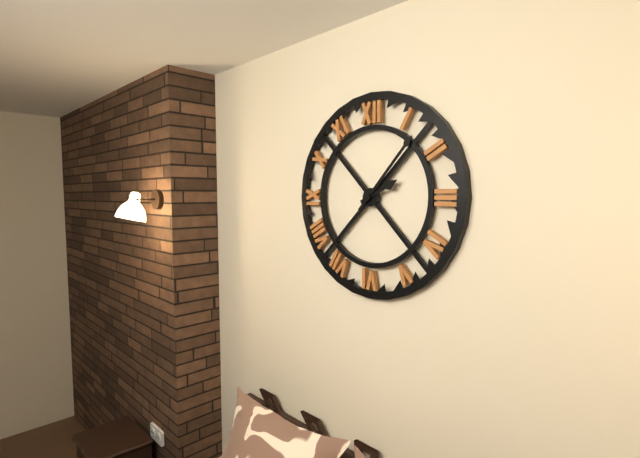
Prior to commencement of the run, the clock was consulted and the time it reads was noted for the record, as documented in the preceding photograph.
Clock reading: 2:07
